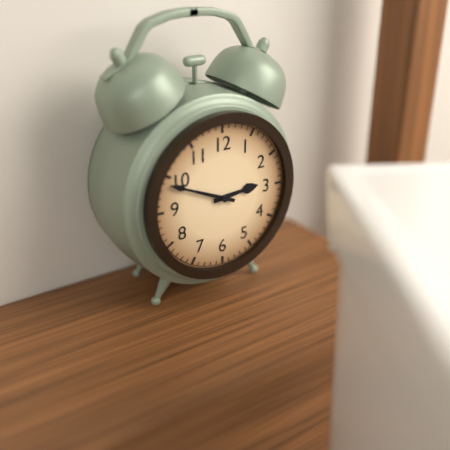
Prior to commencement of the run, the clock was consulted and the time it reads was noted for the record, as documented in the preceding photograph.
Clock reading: 2:49
